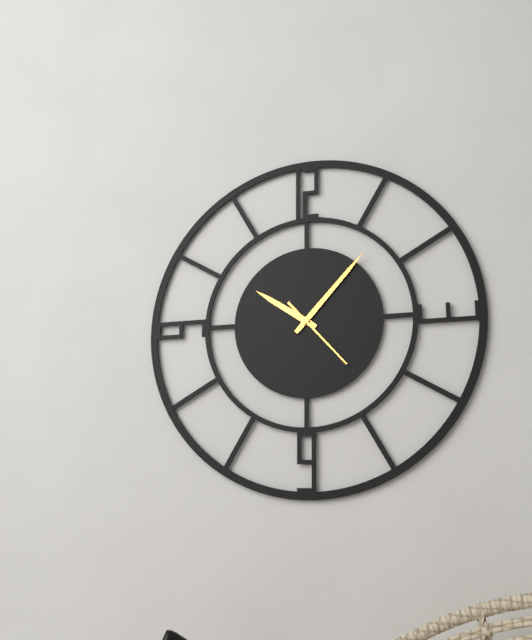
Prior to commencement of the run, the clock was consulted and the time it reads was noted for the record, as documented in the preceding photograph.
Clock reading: 10:07:23
